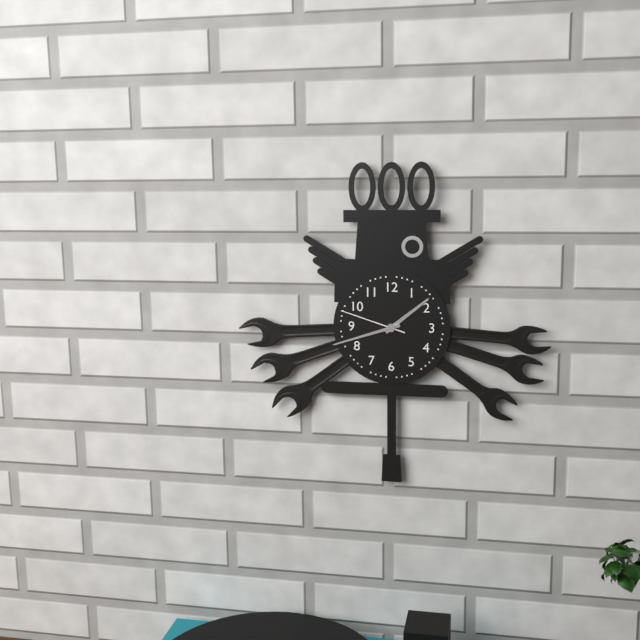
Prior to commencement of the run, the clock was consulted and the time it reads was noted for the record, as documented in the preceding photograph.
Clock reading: 1:42:48
